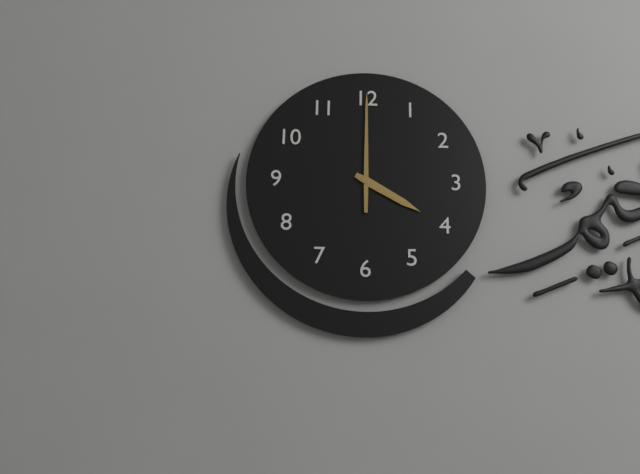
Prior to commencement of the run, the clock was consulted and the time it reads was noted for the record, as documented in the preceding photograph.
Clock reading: 4:00
